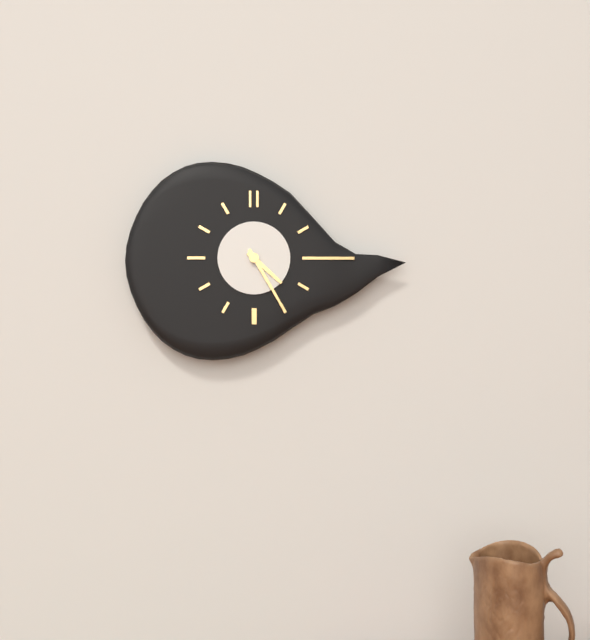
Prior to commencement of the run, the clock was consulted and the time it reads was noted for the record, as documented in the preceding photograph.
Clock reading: 4:25
